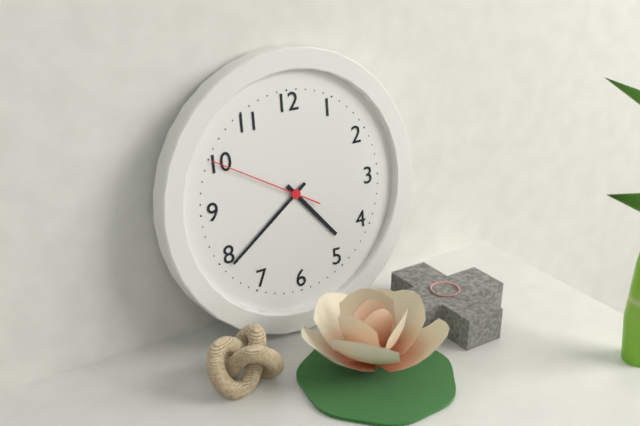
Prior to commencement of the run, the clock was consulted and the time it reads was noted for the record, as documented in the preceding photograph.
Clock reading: 4:39:50
